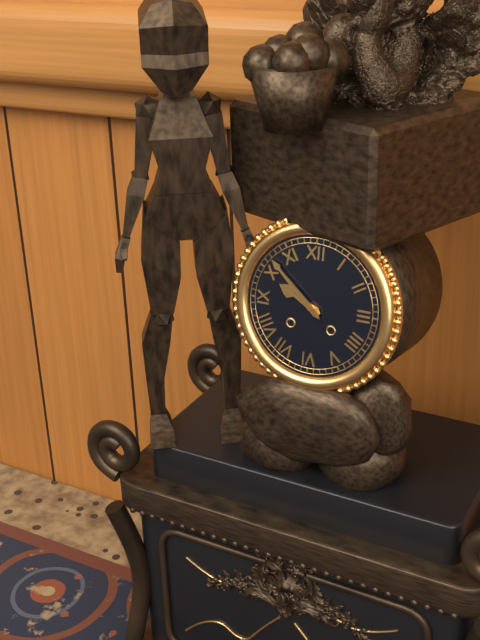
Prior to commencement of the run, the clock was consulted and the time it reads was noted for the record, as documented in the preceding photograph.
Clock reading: 9:52
